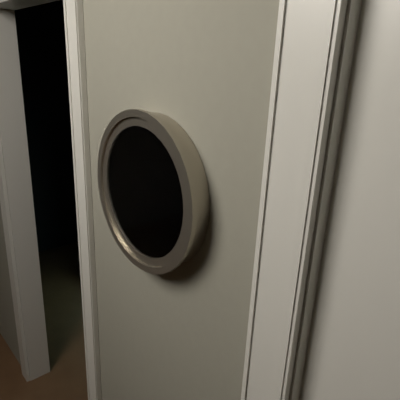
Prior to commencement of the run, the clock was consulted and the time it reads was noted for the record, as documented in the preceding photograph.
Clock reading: 4:31
